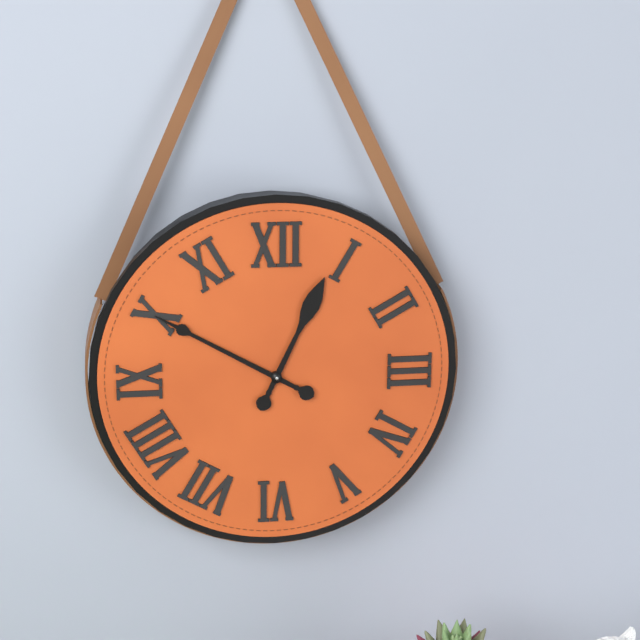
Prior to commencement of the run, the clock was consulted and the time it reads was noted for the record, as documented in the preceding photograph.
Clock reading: 12:50
